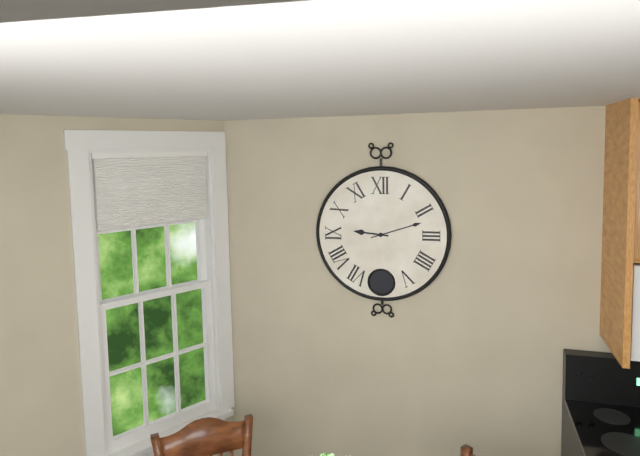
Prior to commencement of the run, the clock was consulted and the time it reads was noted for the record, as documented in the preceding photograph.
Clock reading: 9:12
